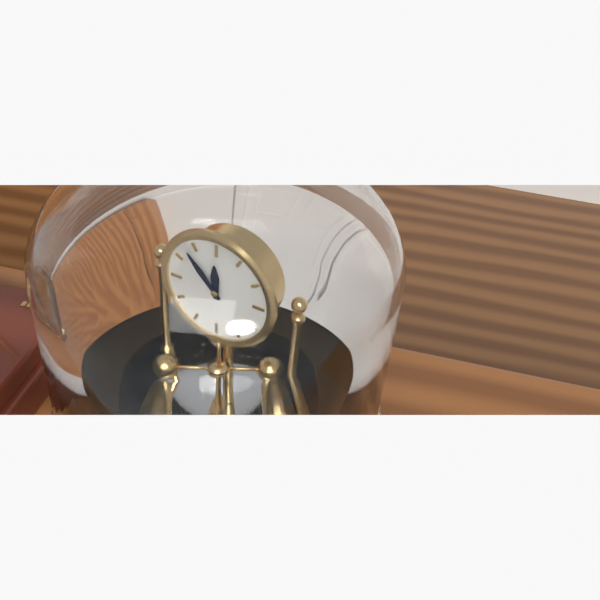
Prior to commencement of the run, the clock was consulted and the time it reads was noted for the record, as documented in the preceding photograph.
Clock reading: 11:53
